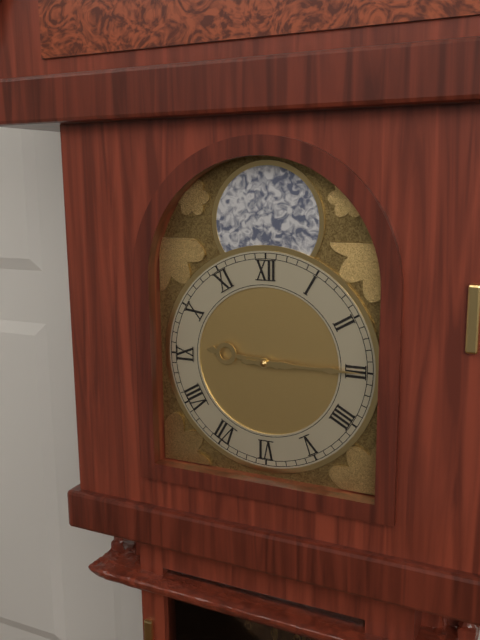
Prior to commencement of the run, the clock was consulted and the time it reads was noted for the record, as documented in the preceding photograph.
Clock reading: 9:15
